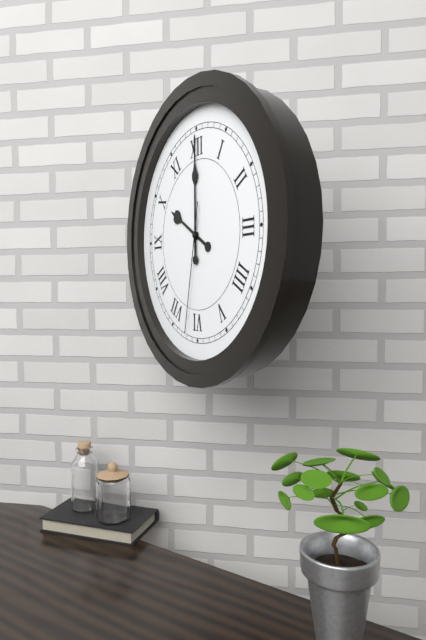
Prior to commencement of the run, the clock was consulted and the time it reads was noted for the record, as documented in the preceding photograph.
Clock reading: 10:00:32
